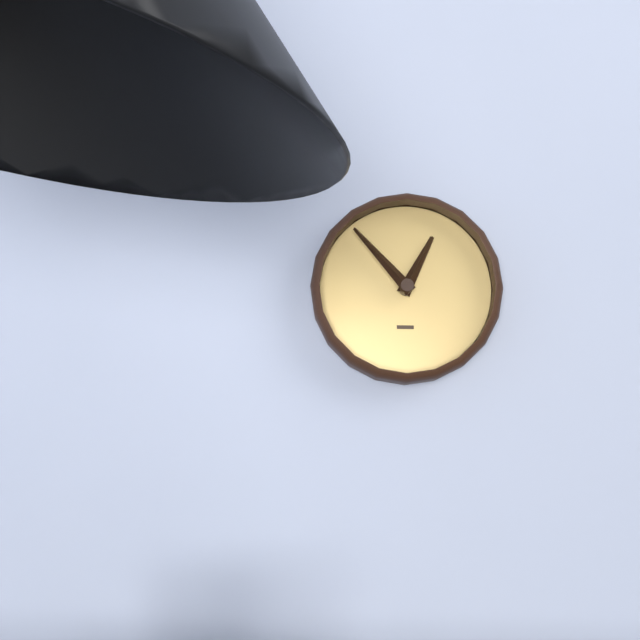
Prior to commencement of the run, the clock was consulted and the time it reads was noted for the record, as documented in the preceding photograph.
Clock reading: 12:53
